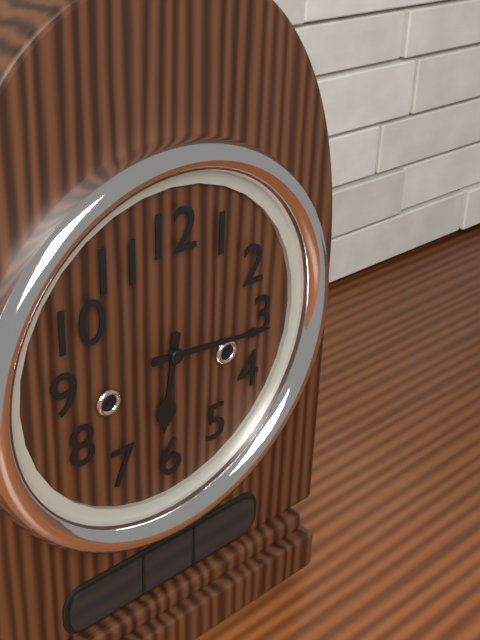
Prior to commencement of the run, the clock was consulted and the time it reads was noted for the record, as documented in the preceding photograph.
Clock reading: 6:16
